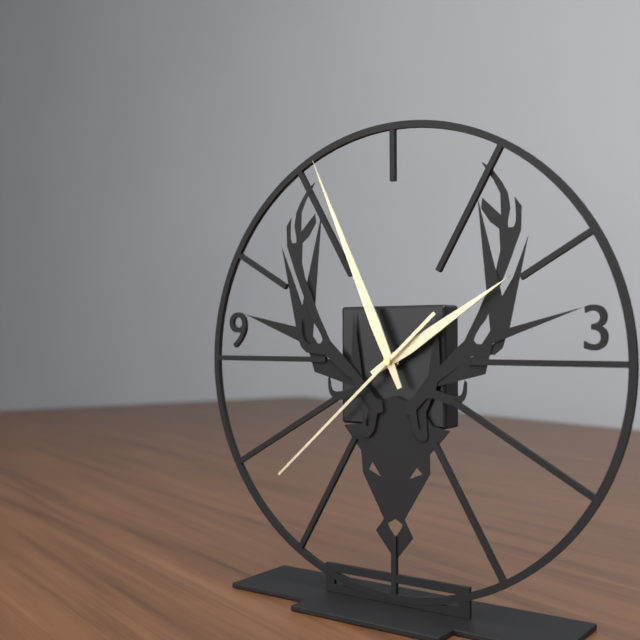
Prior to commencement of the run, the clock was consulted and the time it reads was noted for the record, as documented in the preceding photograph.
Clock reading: 1:56:38
